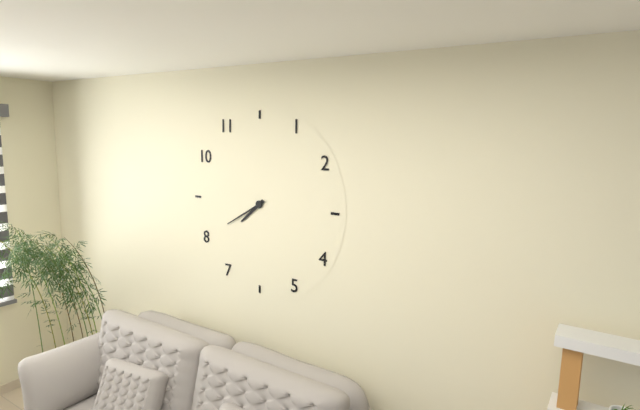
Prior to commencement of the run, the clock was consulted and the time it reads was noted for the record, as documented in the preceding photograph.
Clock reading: 7:40
